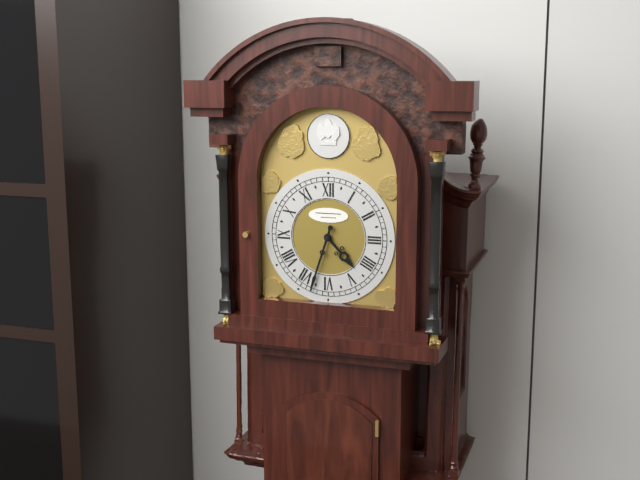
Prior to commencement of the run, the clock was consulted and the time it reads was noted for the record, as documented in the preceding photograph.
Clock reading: 4:33
